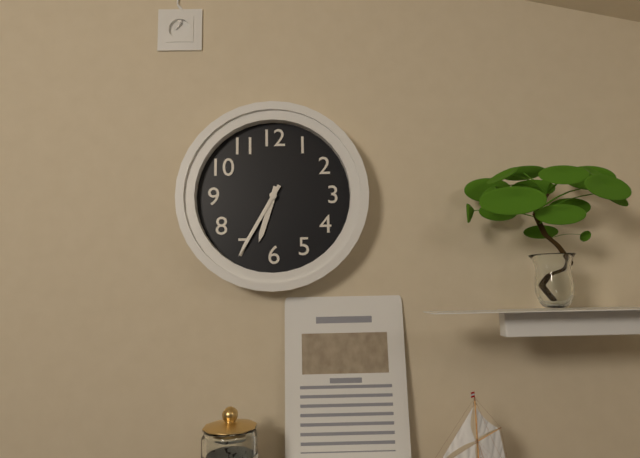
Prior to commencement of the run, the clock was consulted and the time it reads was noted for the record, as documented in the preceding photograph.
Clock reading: 6:35
